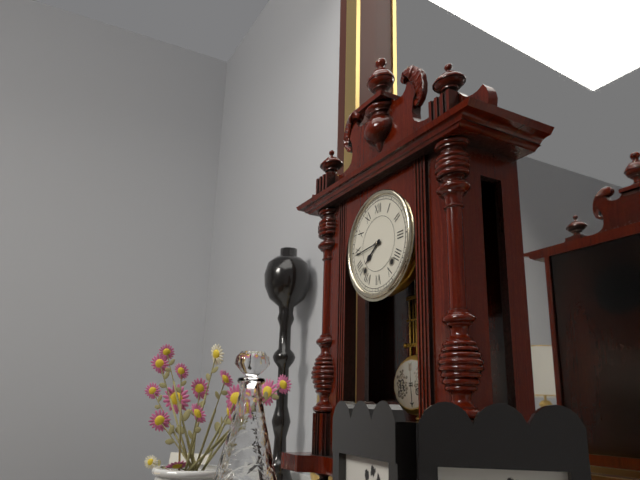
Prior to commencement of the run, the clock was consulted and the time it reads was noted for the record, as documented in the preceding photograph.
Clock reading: 7:44
